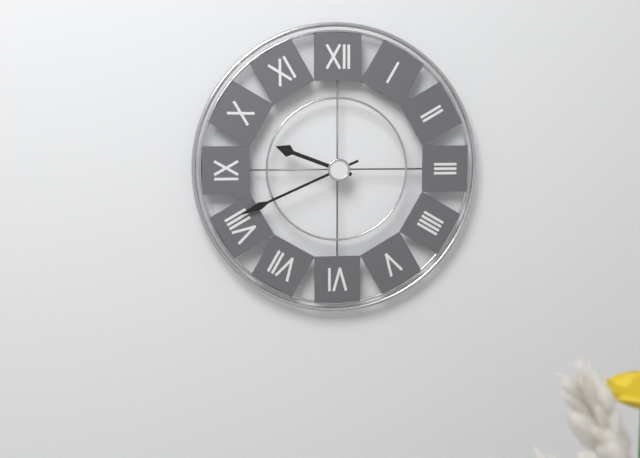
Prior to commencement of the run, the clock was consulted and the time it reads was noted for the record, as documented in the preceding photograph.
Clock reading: 9:41
